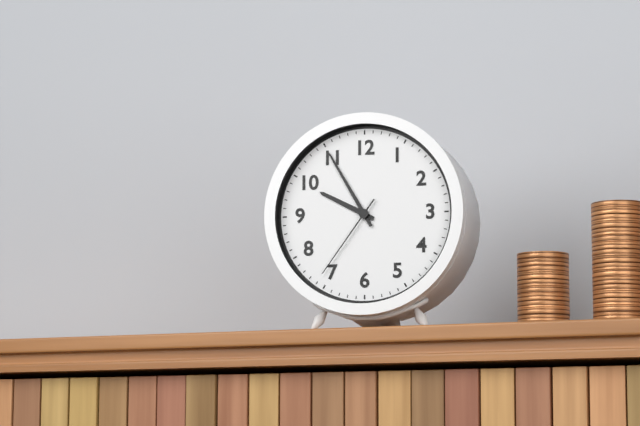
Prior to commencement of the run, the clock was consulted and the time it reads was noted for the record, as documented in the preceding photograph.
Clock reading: 9:55:36
